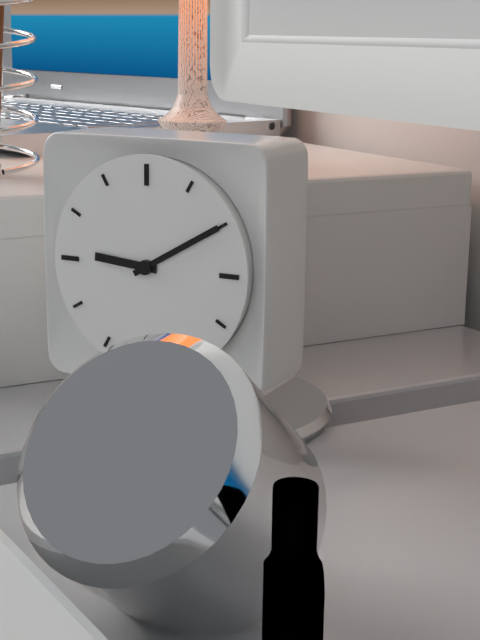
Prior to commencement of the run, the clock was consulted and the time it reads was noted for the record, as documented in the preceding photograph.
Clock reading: 9:10
